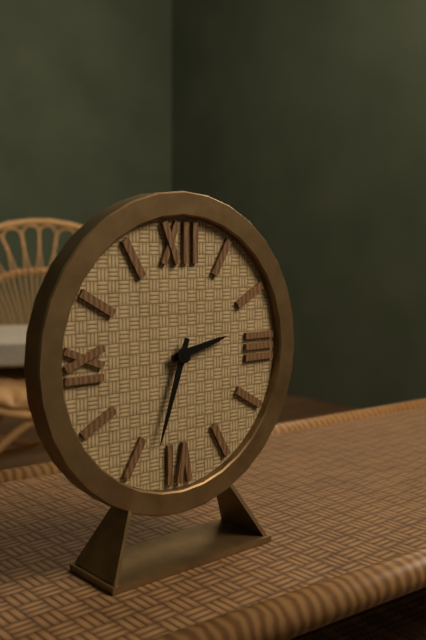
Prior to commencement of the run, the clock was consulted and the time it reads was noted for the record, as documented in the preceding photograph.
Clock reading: 2:33
